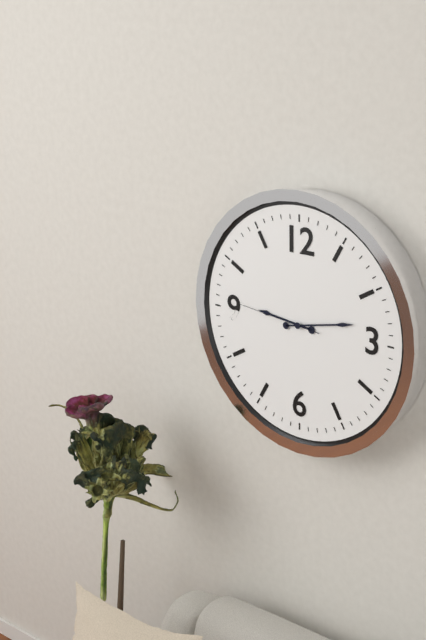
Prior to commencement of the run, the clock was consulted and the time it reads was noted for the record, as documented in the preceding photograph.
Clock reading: 9:13:46
